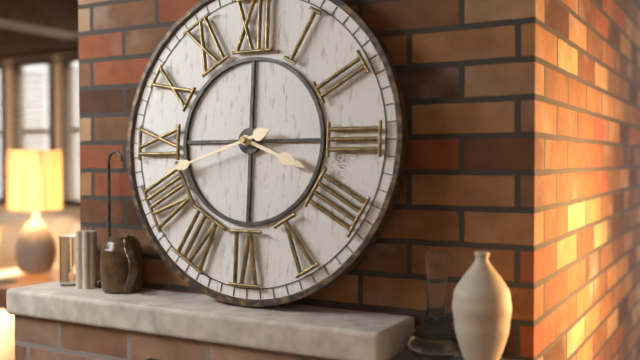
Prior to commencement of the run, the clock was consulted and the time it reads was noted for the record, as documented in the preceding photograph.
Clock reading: 3:42
